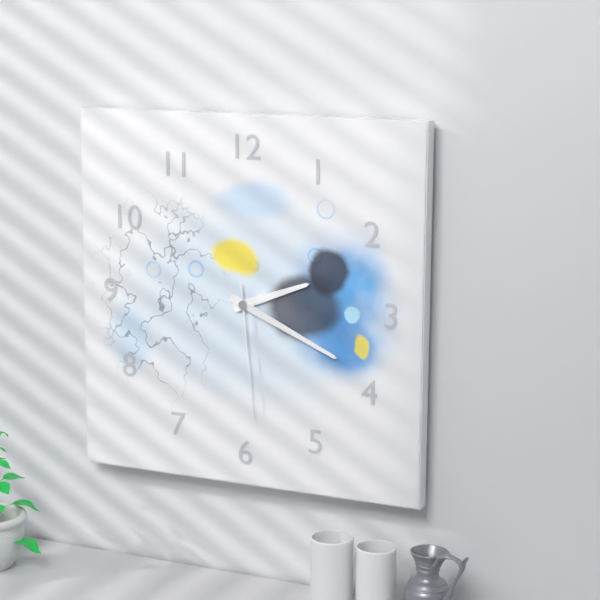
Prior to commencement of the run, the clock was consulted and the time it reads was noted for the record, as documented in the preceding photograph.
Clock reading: 2:19:29
